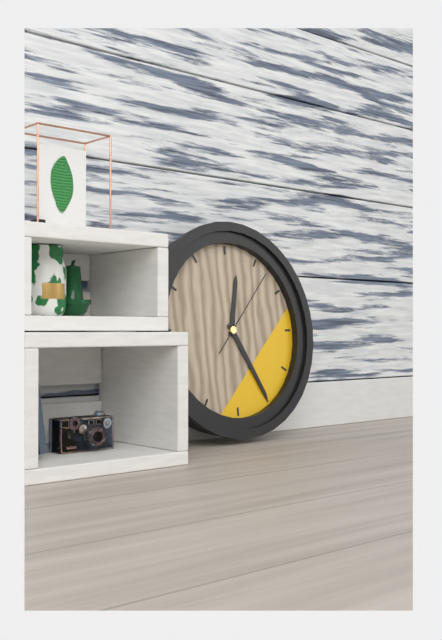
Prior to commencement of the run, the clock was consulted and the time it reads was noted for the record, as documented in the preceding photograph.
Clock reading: 12:25:07
